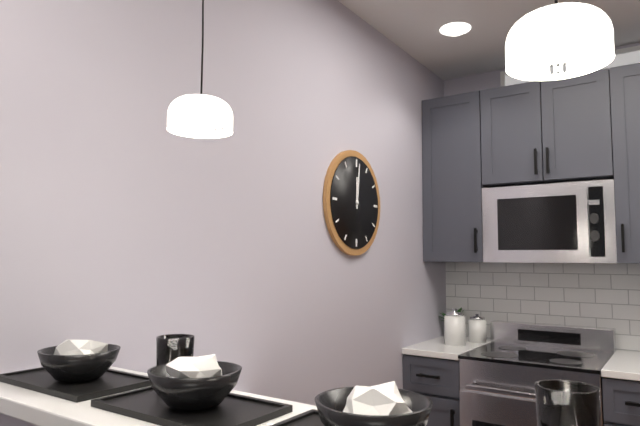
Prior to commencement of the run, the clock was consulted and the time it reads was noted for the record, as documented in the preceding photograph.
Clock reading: 12:01
